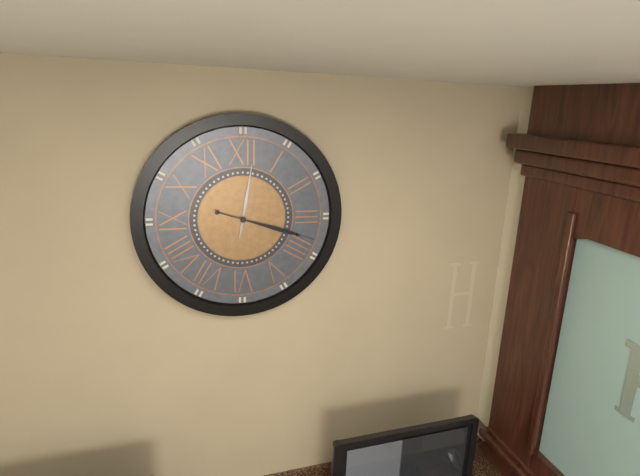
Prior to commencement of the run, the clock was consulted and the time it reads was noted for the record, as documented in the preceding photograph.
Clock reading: 12:18
